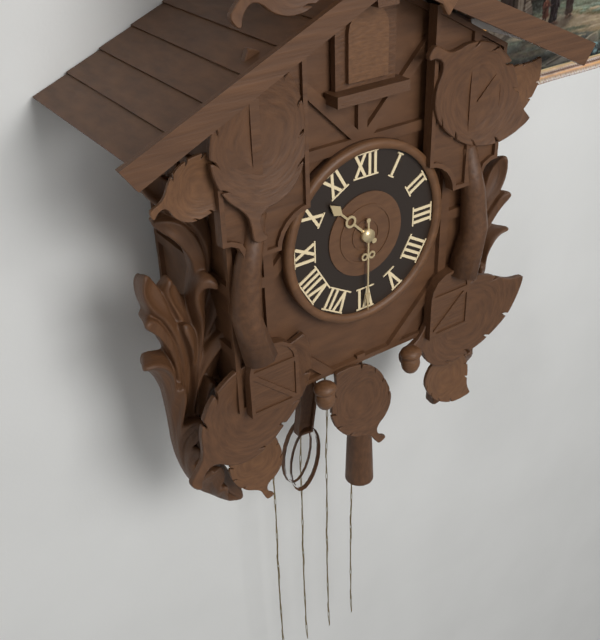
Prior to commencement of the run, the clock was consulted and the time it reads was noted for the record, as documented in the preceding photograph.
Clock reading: 10:30
